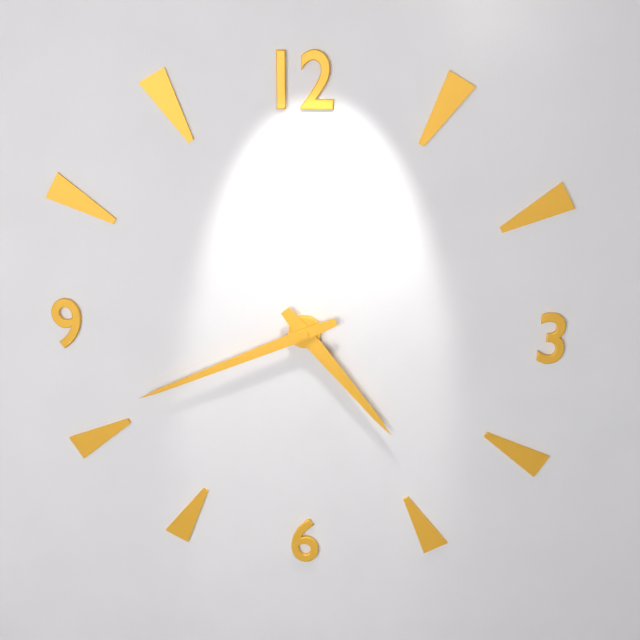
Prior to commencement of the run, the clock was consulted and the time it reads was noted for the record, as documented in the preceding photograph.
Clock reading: 4:41
